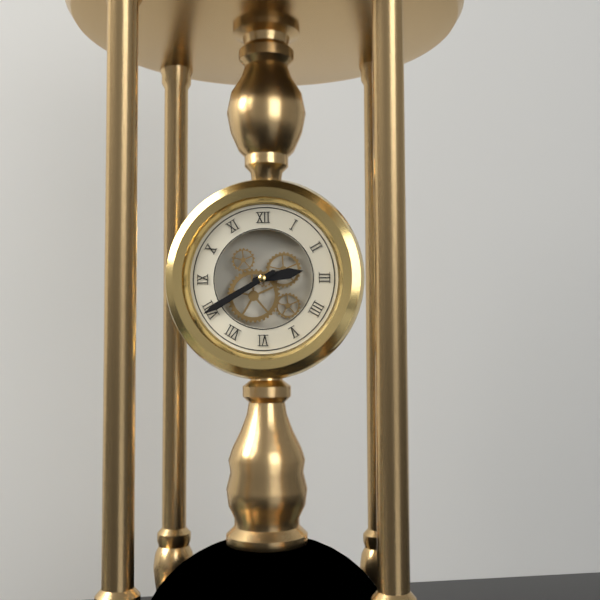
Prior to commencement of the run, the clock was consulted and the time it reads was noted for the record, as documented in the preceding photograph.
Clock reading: 2:40
